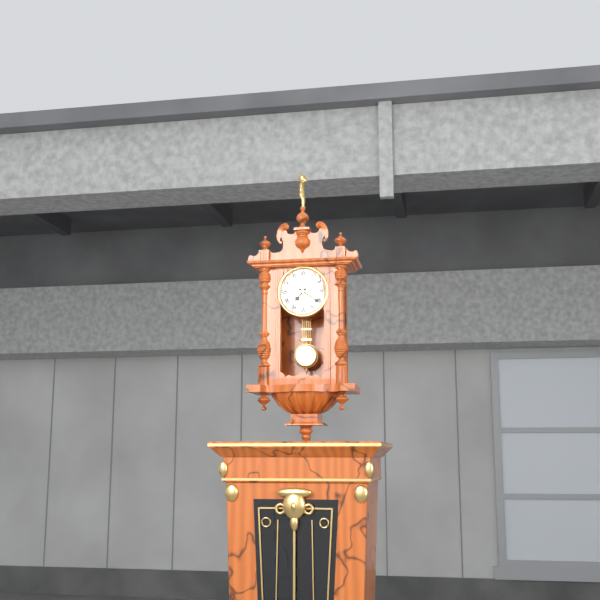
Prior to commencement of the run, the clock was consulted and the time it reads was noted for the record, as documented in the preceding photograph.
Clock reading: 7:21
